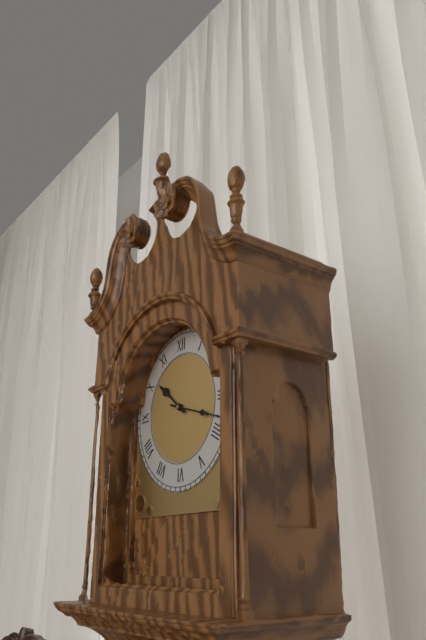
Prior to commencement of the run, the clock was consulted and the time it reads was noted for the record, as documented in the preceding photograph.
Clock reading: 10:18
